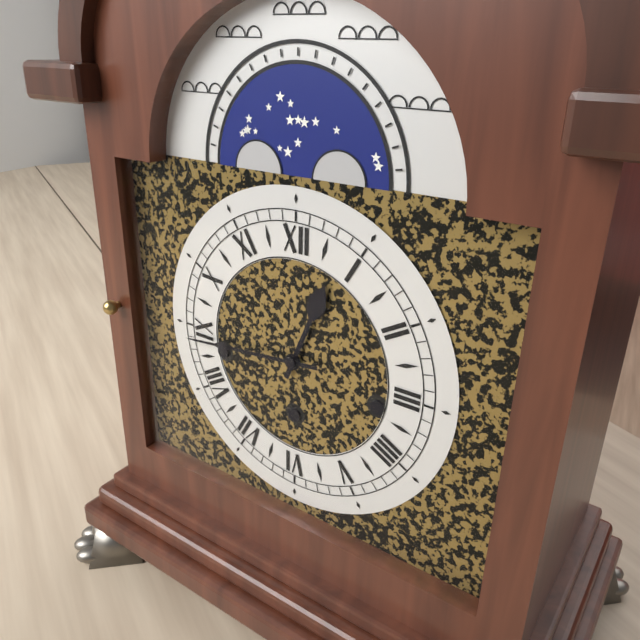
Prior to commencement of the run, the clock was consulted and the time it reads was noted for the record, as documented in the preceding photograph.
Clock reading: 12:44
